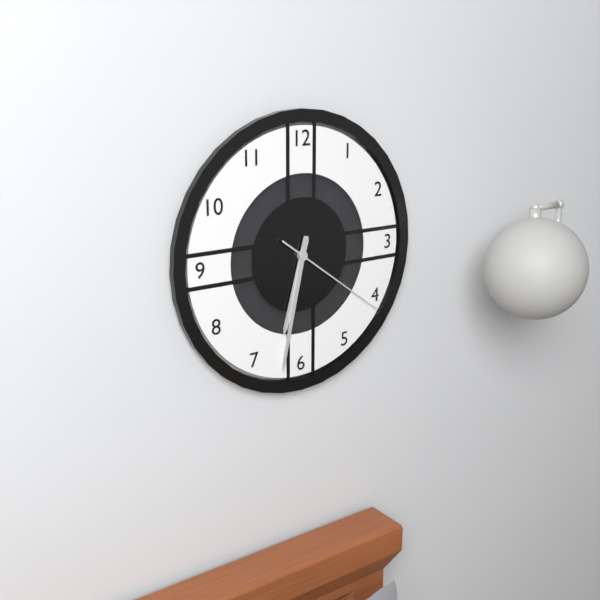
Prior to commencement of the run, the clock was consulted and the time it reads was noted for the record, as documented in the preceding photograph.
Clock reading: 6:32:21
